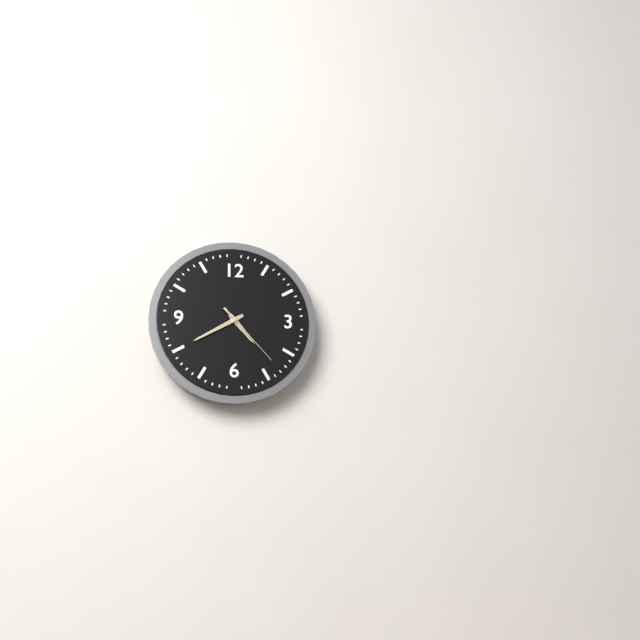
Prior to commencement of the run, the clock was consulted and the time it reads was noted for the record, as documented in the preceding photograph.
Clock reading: 4:40:23
